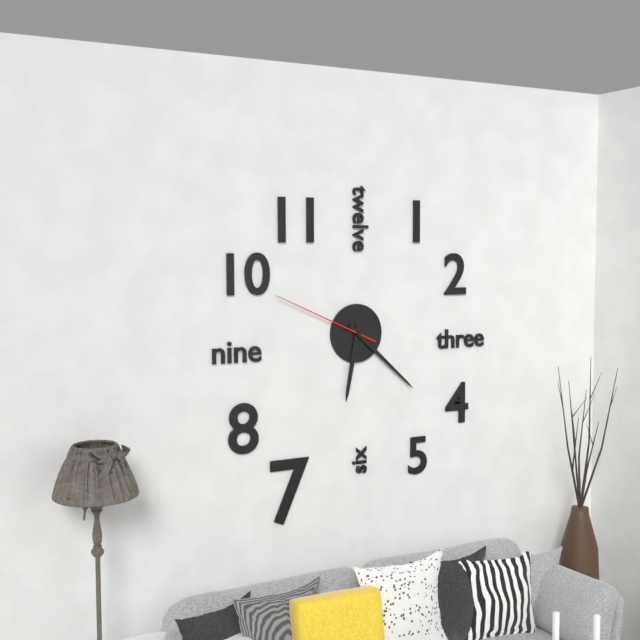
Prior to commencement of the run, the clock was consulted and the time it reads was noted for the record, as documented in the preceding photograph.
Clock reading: 6:22:49
